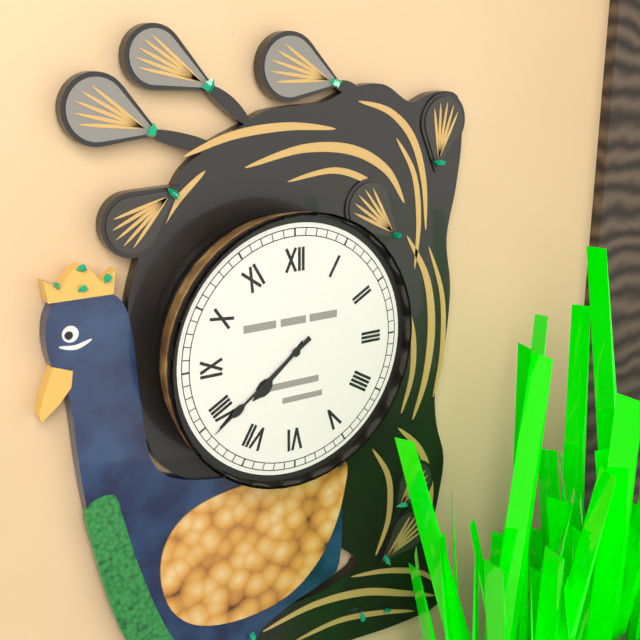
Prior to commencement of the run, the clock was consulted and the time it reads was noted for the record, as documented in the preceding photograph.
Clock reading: 7:39
